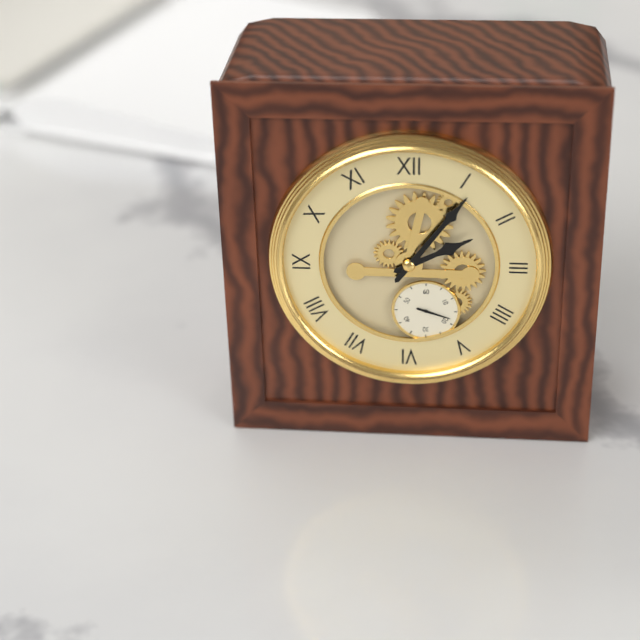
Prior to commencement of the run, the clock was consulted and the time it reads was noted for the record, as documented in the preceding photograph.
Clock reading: 2:06
